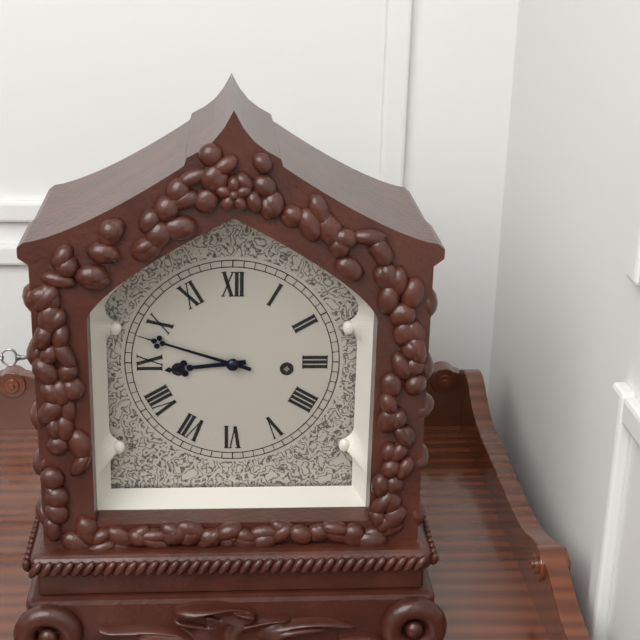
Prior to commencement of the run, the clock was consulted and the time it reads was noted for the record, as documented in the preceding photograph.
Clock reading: 8:48
